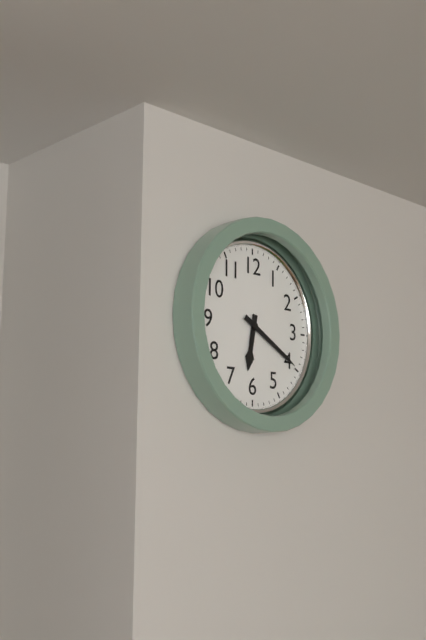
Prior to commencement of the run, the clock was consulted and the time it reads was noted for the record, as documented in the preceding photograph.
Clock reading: 6:20
